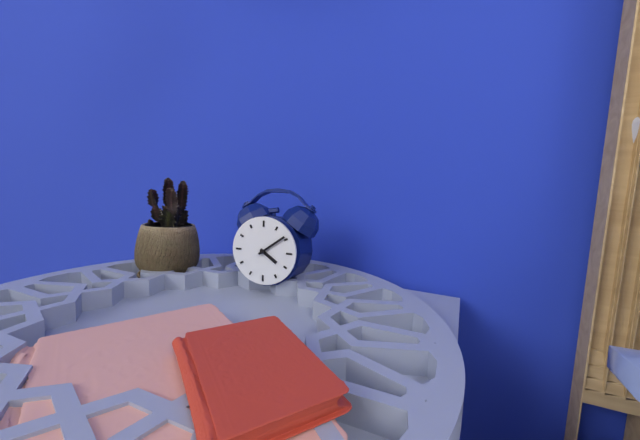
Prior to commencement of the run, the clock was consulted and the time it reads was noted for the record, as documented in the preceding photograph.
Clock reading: 4:09
